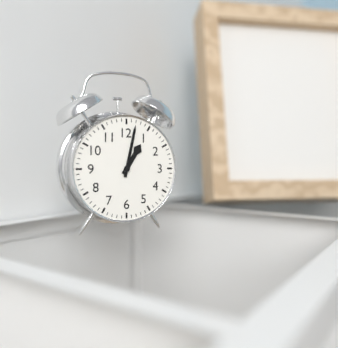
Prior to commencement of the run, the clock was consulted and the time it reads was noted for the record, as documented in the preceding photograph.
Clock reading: 1:02
